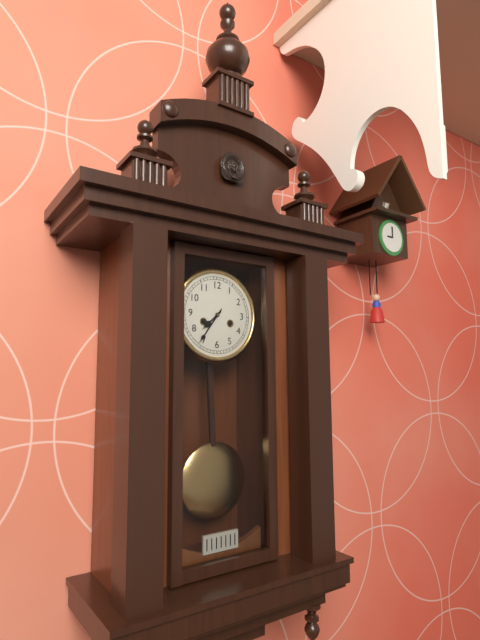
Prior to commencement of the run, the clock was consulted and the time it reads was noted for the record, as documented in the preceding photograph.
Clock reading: 7:36
